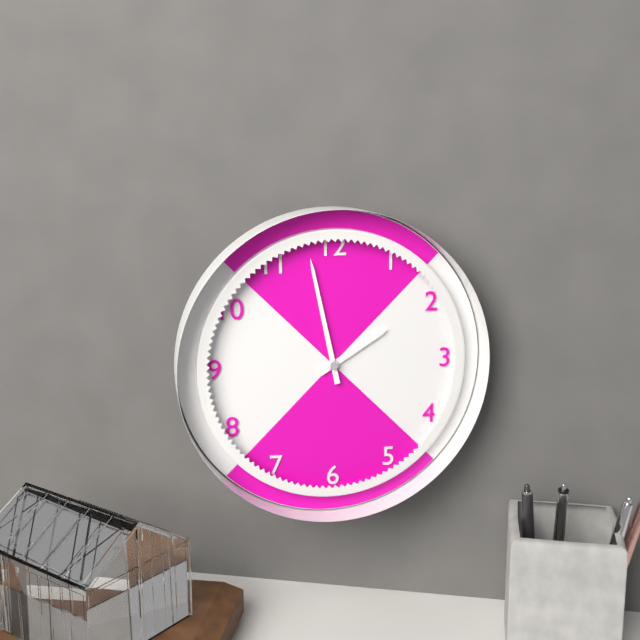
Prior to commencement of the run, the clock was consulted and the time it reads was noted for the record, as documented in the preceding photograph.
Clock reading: 1:58
